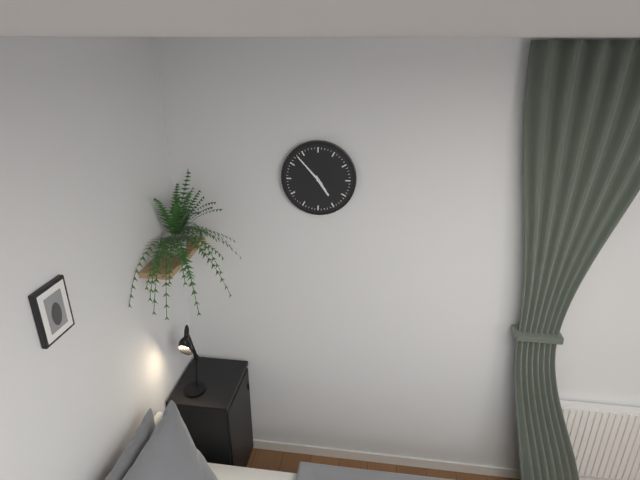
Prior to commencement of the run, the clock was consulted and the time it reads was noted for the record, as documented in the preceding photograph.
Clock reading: 4:53
